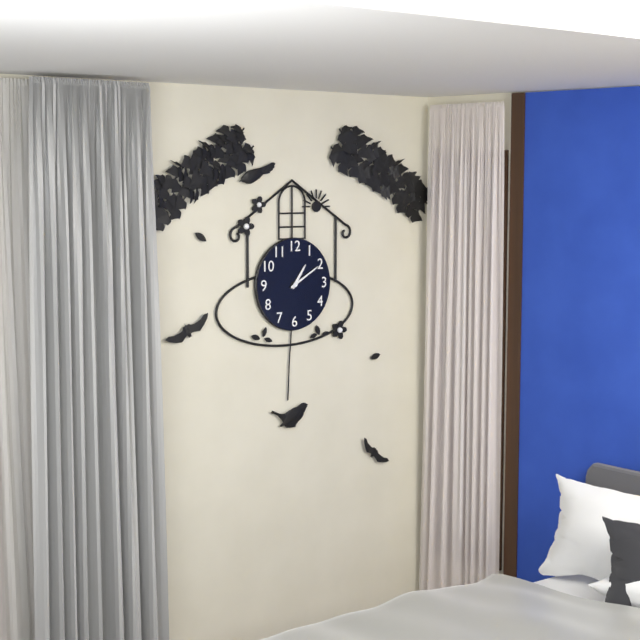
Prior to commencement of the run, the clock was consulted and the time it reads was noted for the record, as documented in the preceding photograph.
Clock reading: 1:10
